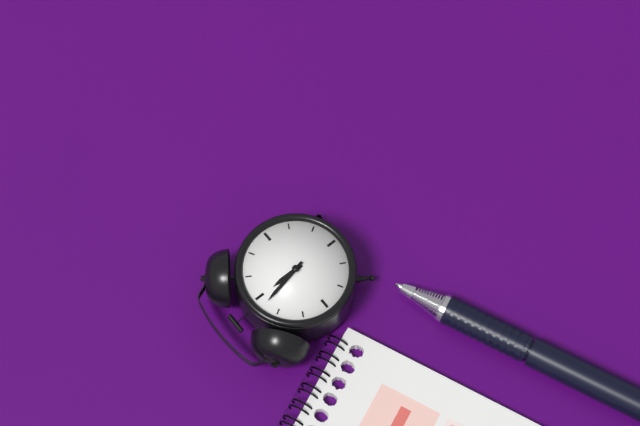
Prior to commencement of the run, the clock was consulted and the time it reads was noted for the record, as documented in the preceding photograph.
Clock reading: 11:58
